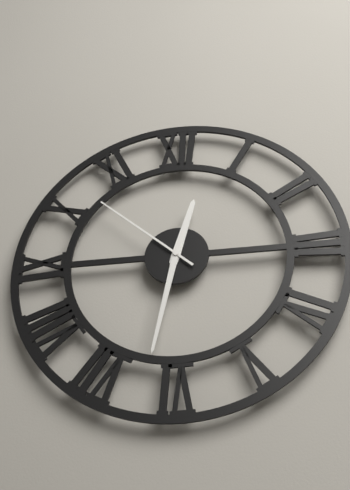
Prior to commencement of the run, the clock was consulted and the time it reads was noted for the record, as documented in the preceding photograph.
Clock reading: 12:32:52
